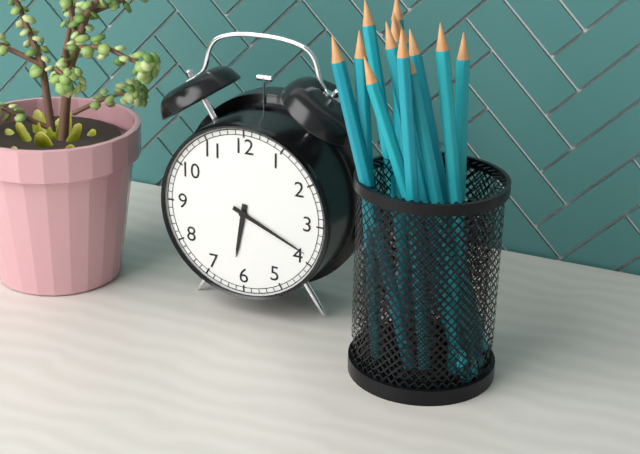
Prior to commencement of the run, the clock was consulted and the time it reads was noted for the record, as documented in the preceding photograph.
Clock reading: 6:19
